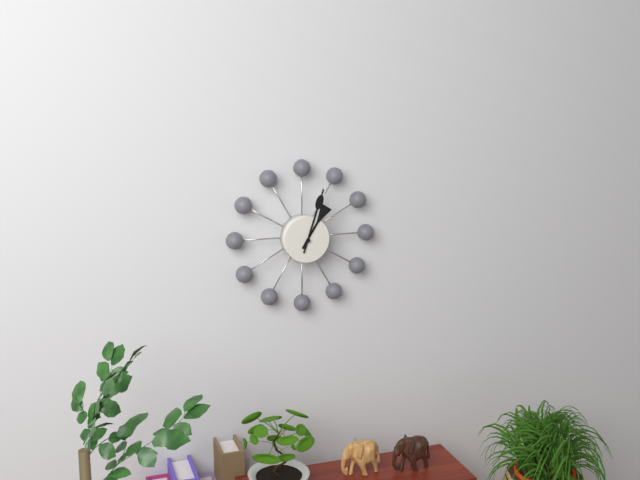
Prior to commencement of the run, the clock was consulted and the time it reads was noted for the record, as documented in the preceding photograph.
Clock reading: 1:03
